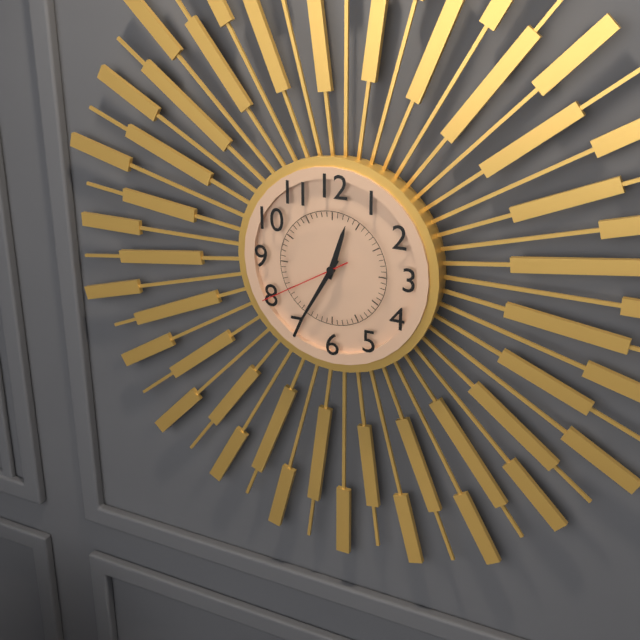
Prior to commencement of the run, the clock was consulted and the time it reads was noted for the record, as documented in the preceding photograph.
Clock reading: 12:35:40
